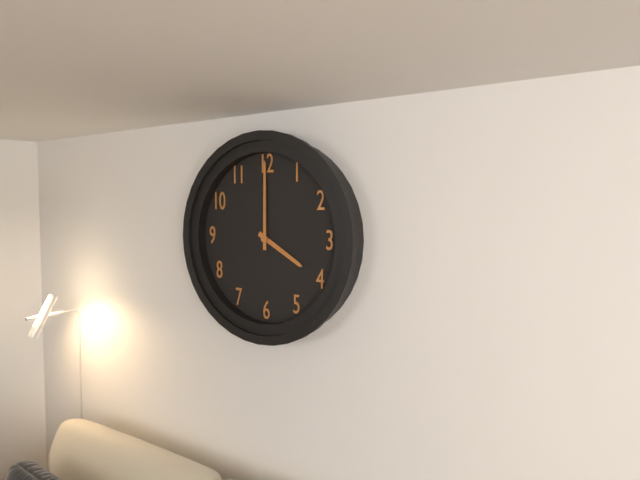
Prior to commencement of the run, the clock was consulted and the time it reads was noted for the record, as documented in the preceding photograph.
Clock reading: 4:00
